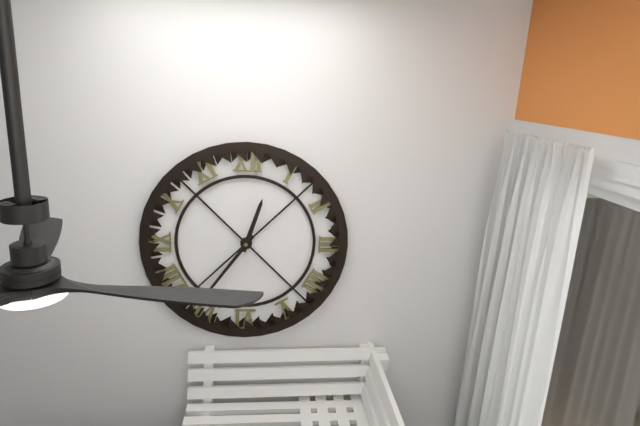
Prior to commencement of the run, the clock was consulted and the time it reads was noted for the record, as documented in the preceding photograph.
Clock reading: 12:36
